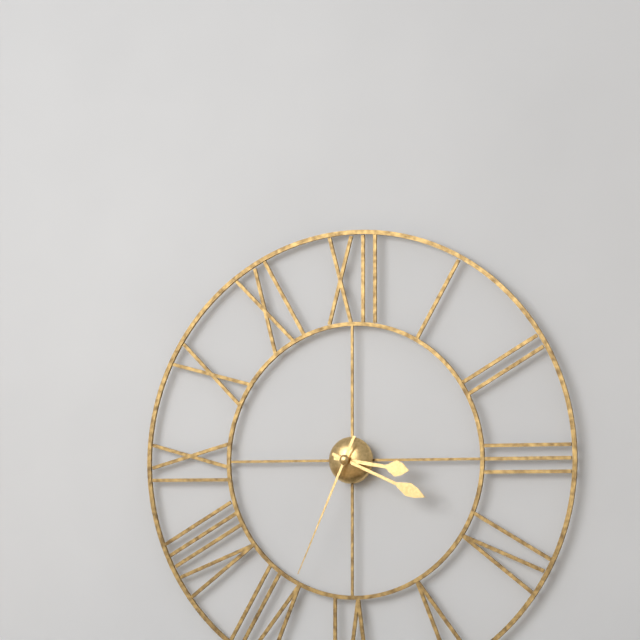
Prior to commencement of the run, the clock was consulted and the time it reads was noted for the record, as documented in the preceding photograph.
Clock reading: 3:19:34
